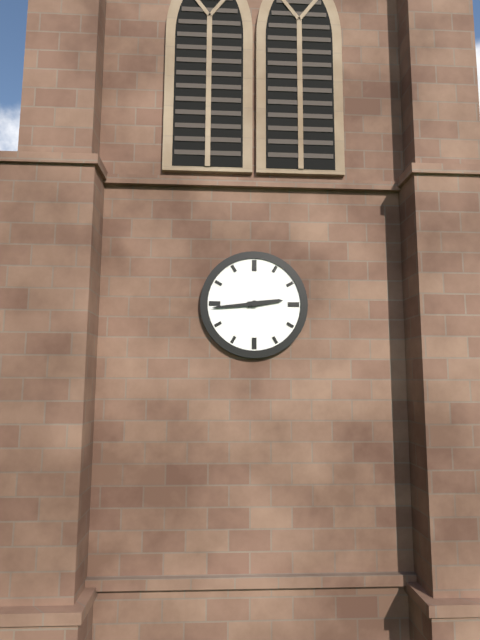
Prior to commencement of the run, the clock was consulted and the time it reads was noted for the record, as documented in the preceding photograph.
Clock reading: 2:44
